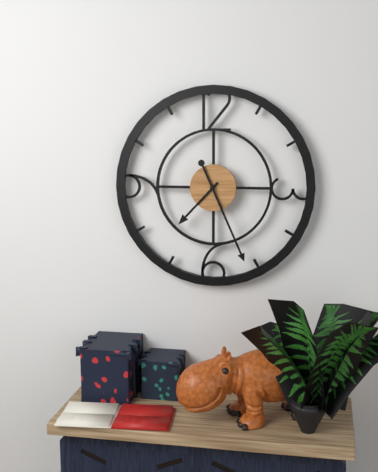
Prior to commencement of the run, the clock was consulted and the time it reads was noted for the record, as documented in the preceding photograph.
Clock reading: 7:26
